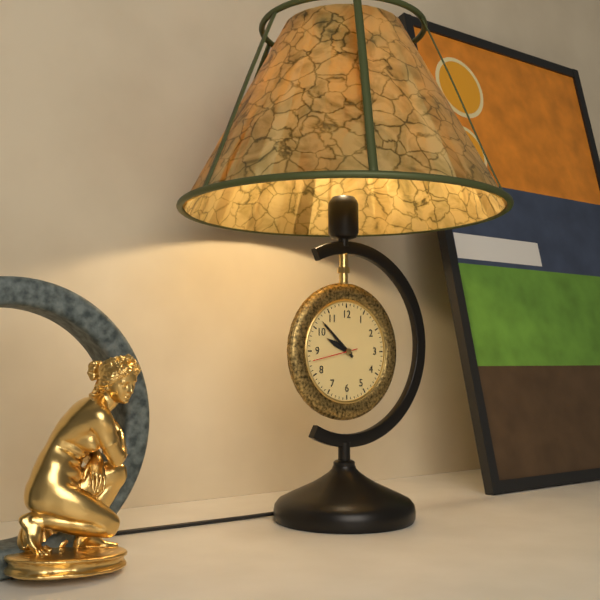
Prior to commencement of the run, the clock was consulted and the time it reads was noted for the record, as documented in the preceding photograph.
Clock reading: 9:52
